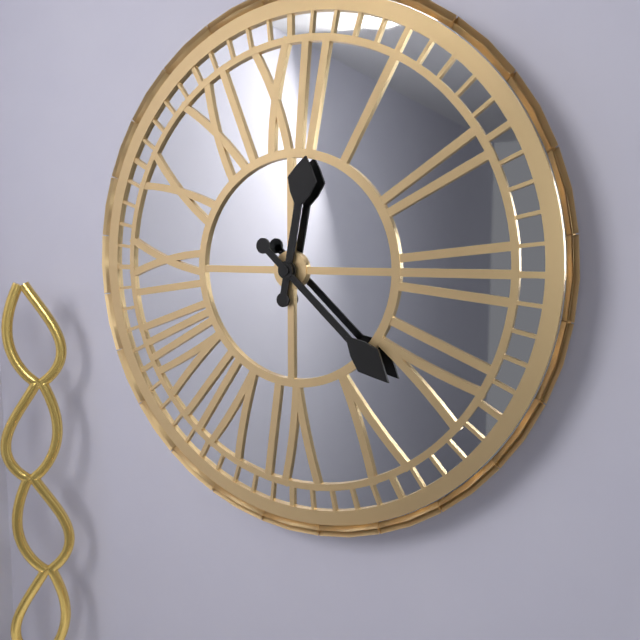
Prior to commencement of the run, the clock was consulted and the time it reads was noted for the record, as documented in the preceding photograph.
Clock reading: 12:22
